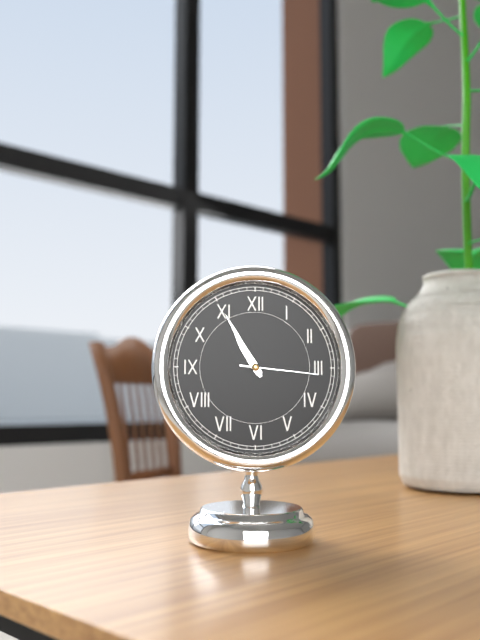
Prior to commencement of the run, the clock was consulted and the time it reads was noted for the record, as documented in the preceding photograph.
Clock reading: 10:55:16
